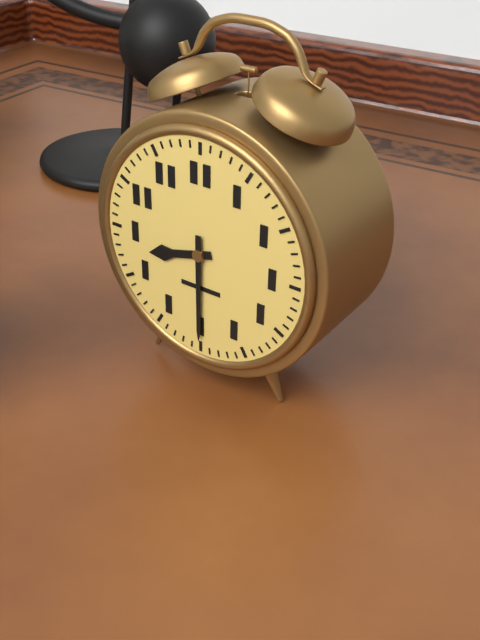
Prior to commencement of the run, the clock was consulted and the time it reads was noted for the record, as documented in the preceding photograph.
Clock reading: 8:30
